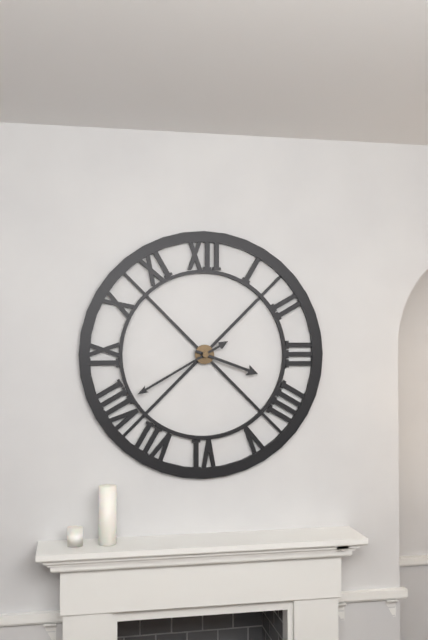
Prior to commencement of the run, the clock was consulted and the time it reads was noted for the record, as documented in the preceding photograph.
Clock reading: 3:40
